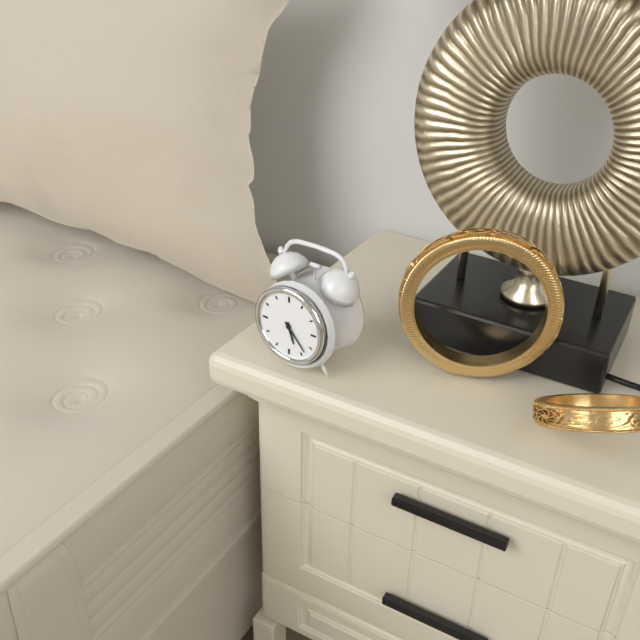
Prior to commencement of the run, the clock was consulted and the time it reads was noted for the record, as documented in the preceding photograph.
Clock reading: 5:23
